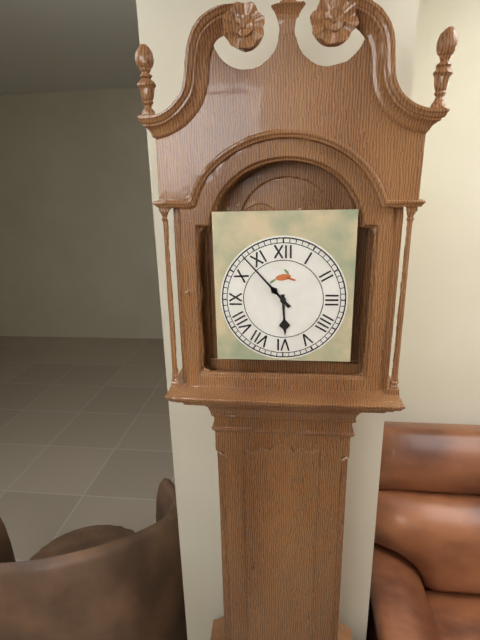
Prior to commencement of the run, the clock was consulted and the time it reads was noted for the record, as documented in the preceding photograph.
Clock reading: 5:53
